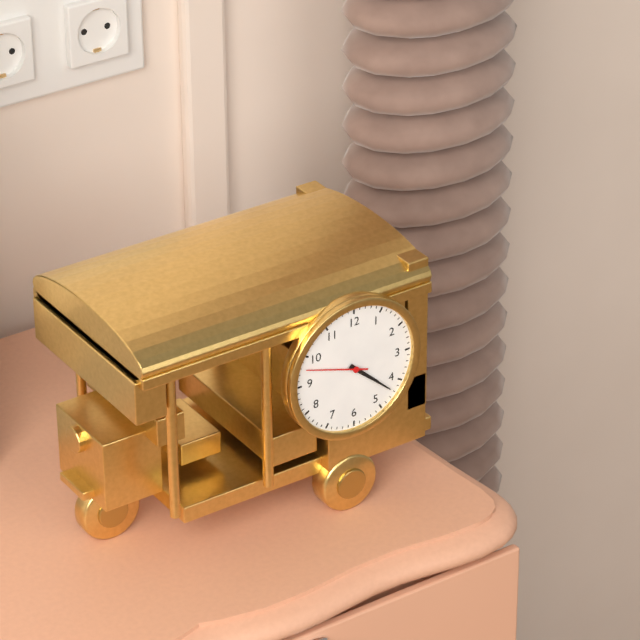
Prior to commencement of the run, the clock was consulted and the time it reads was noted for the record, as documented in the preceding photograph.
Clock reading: 4:22:48
